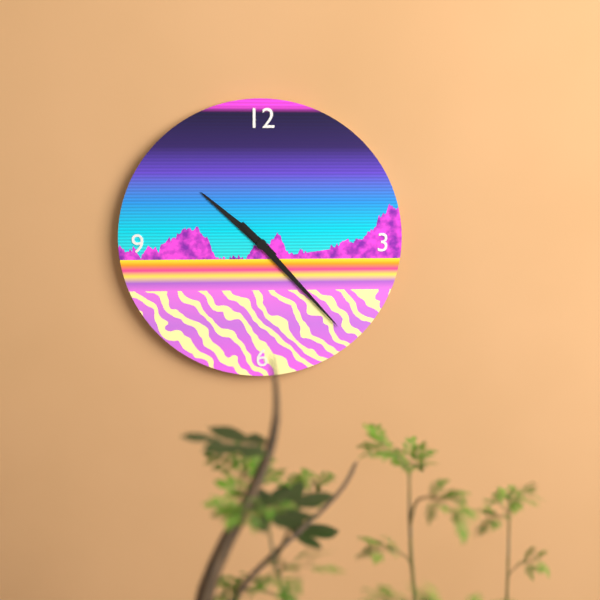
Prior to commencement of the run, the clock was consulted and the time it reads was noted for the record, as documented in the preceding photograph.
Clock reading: 10:23
